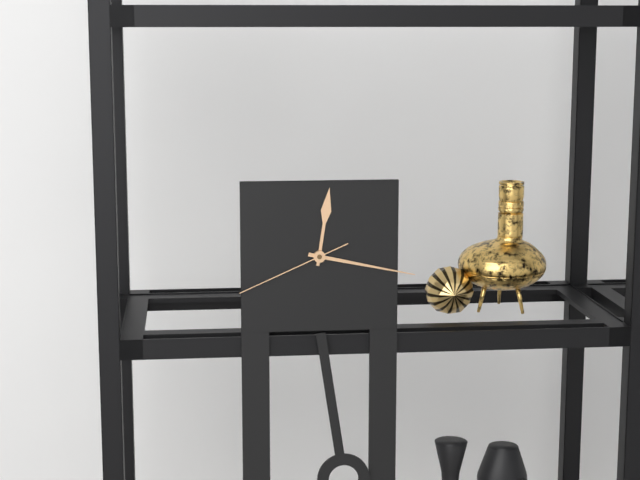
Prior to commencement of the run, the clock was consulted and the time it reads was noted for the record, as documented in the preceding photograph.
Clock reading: 12:17:41
